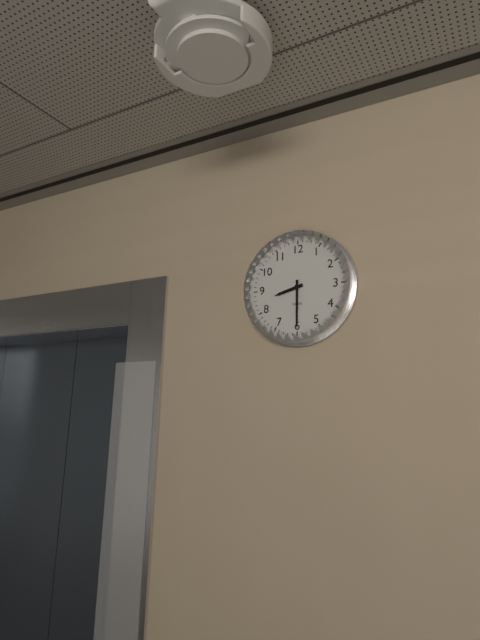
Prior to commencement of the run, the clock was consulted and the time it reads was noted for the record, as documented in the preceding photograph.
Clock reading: 8:30
